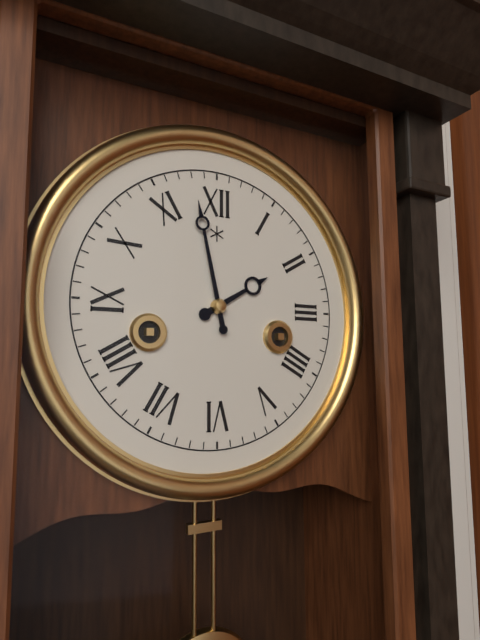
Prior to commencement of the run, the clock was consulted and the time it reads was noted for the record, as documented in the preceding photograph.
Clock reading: 1:58
